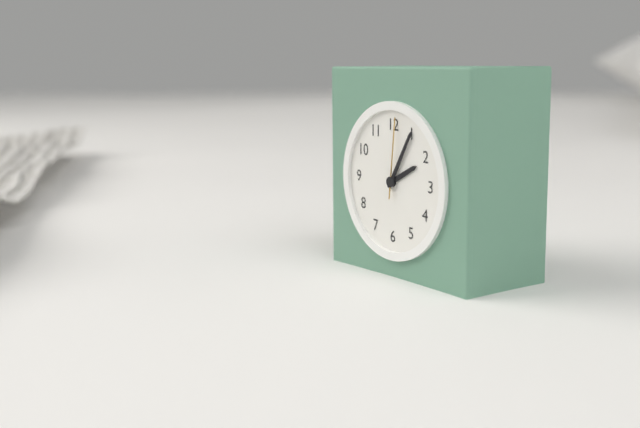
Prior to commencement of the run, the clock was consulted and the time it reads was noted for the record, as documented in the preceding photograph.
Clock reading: 2:05:01
